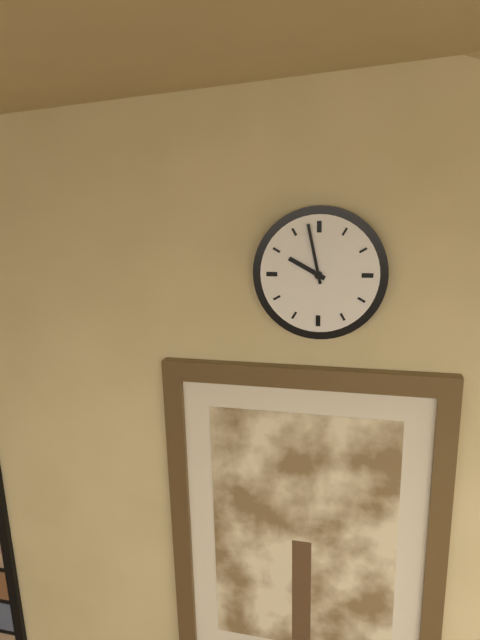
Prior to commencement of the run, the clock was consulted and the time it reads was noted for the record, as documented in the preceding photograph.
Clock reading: 9:58
